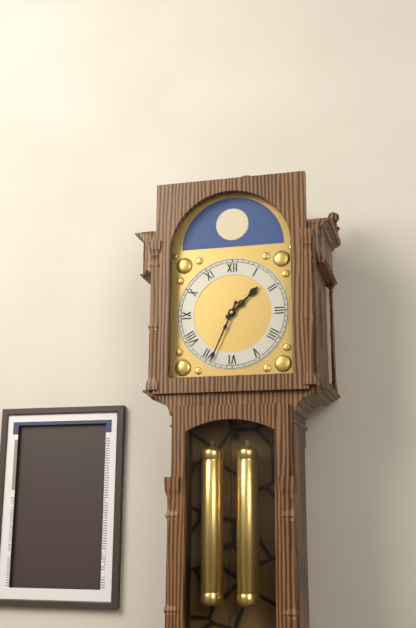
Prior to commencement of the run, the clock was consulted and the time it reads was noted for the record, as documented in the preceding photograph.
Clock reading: 1:34
